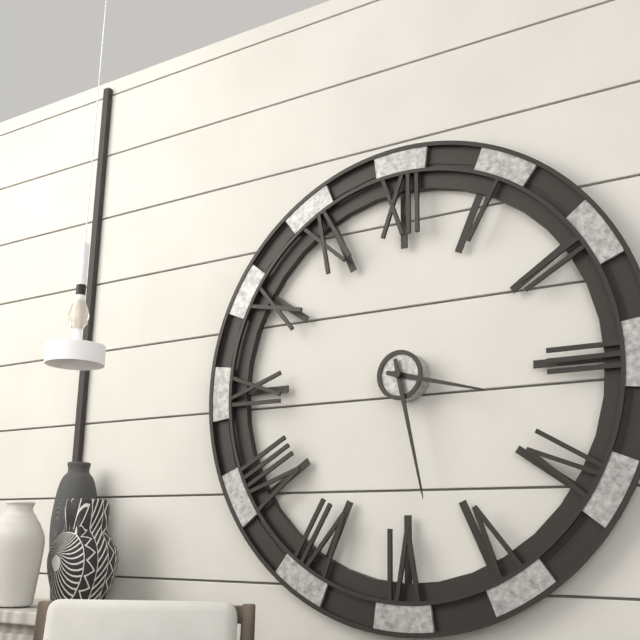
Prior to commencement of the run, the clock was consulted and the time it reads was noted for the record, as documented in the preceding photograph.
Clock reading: 3:28
